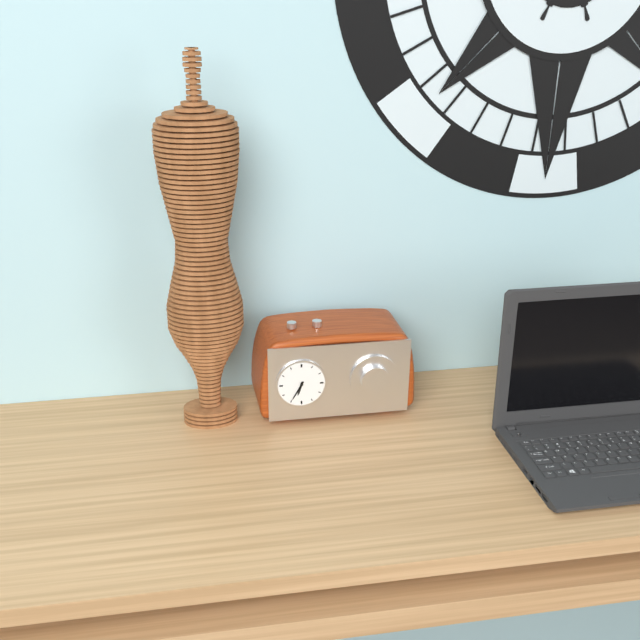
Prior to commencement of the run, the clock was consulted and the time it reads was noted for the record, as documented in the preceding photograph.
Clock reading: 6:35
